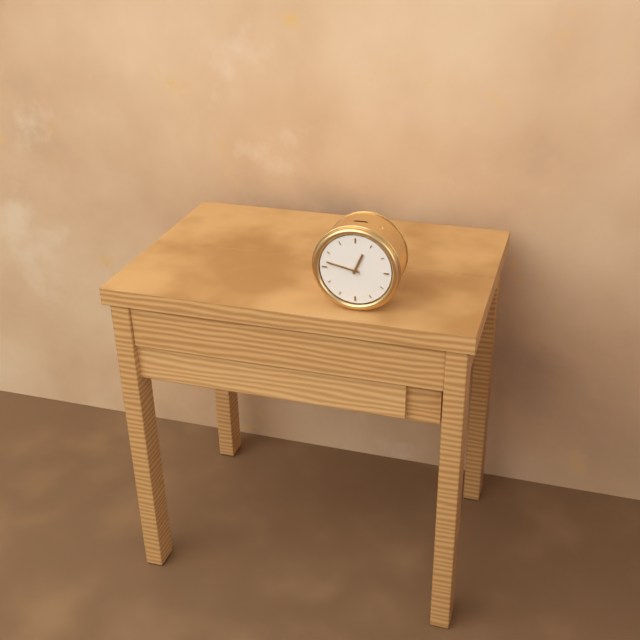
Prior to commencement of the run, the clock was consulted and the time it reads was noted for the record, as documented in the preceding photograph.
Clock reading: 12:47
